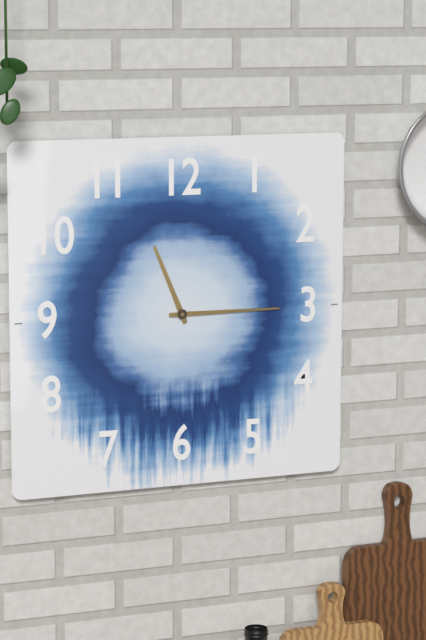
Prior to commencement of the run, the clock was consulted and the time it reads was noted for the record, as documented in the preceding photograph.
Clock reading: 11:15
